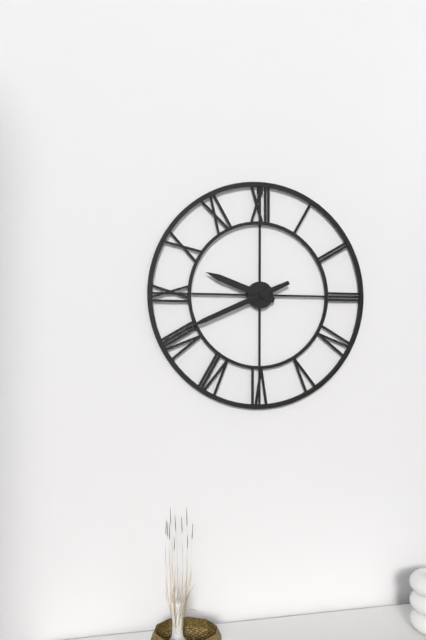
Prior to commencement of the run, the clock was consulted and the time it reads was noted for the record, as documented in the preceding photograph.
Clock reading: 9:41
